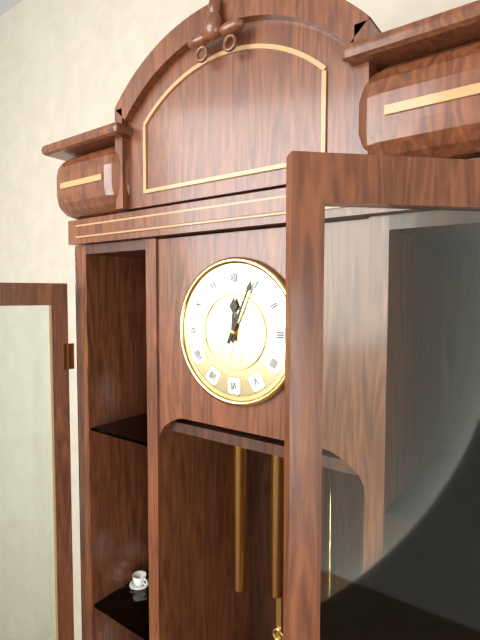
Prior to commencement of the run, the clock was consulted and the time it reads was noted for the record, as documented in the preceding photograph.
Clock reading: 12:04
